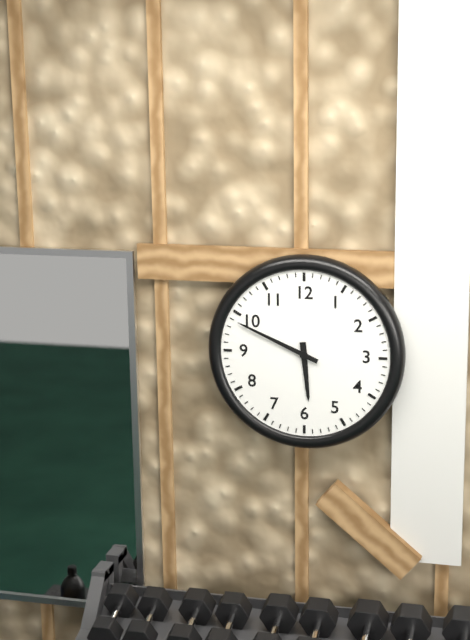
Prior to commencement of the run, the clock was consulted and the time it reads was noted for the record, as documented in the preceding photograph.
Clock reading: 5:49
